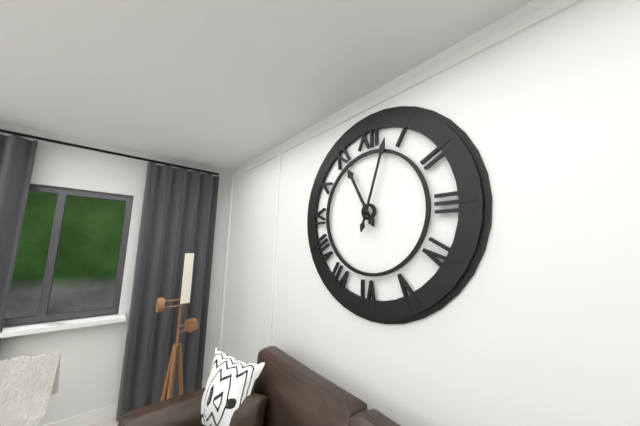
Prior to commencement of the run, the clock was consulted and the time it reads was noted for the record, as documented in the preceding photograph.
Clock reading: 11:03
